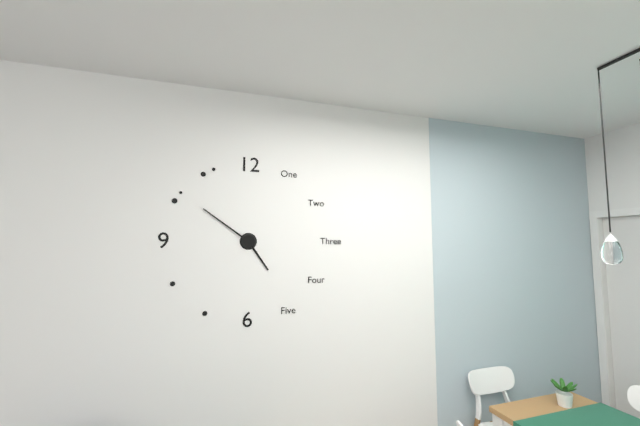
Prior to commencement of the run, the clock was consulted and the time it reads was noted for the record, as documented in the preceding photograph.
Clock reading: 4:51
